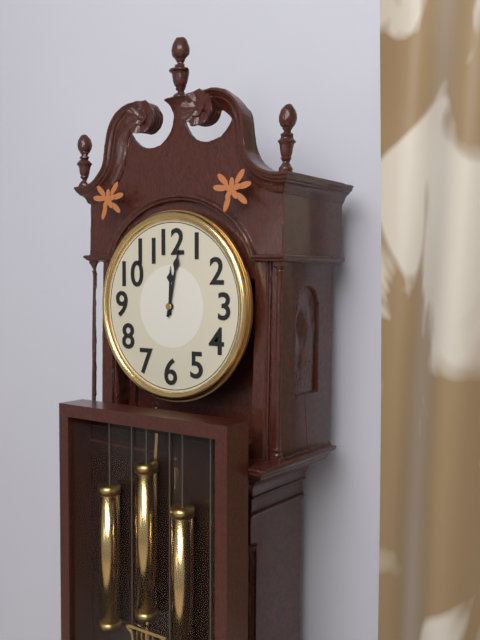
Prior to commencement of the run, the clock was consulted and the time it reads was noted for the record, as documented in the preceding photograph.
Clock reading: 12:02
